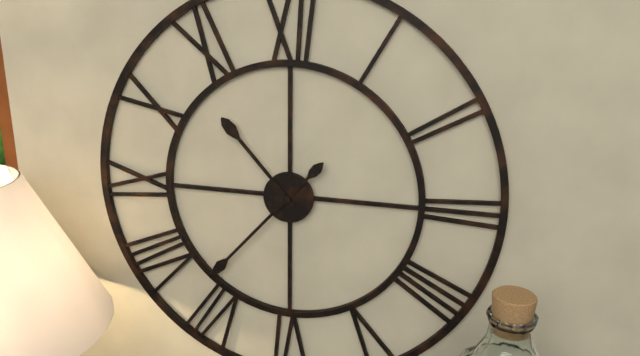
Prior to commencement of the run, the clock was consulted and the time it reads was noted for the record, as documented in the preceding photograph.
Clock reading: 10:37
